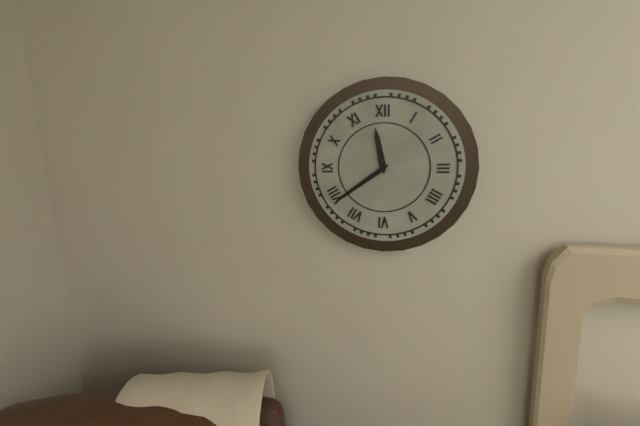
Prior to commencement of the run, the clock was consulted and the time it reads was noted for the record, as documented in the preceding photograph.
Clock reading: 11:39
